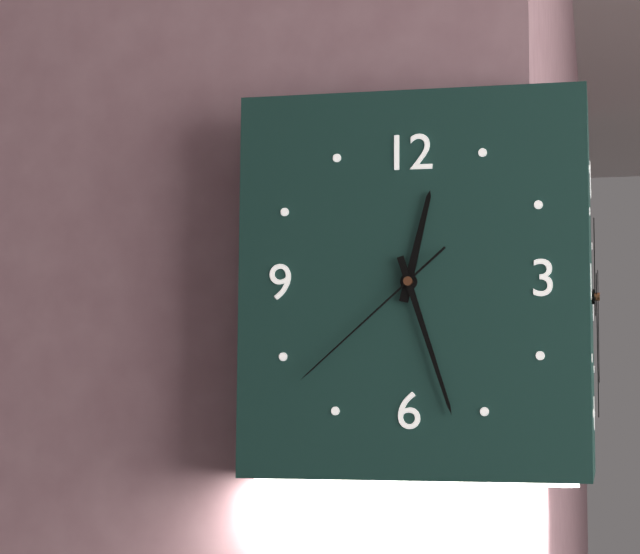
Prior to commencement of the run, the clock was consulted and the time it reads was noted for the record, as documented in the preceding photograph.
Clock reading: 12:27:38
